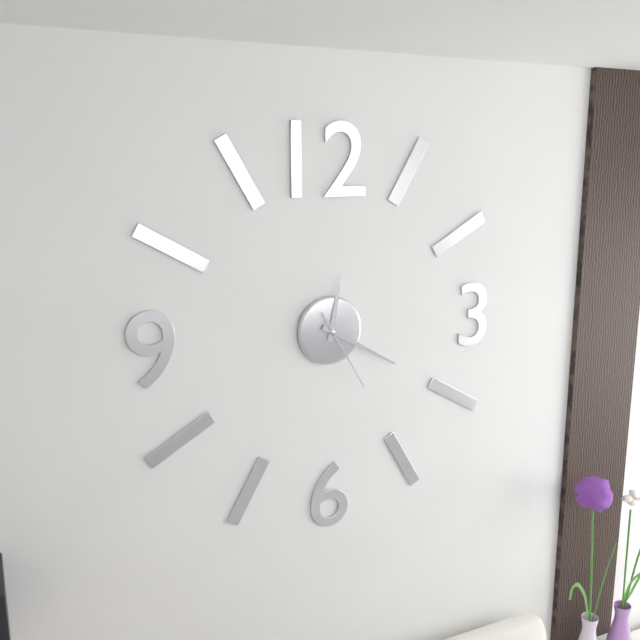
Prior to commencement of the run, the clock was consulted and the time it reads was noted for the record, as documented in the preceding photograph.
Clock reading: 12:20:25
